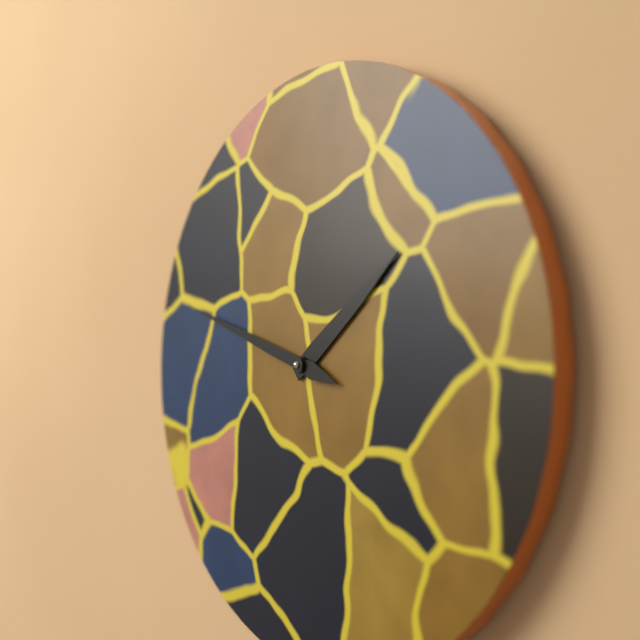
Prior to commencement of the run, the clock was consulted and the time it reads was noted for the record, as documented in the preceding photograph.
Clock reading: 1:48
